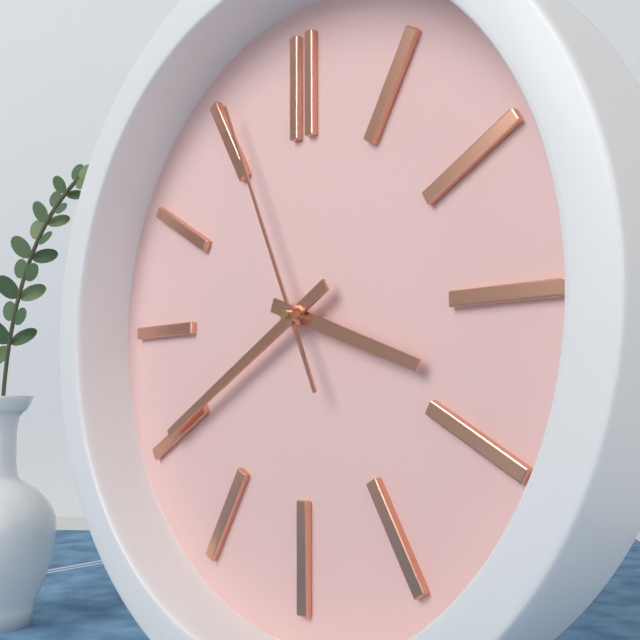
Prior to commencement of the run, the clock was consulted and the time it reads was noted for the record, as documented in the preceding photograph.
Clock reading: 3:40:56
